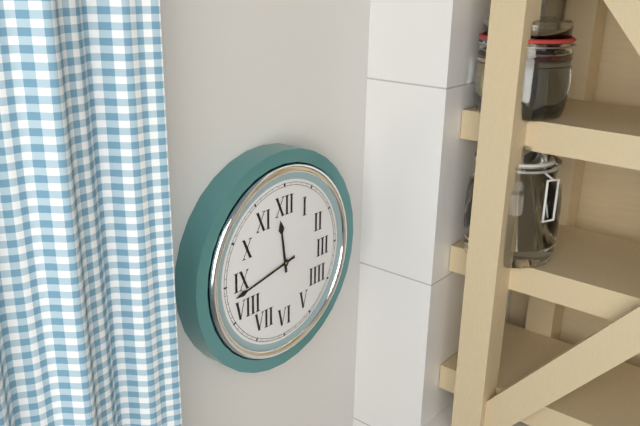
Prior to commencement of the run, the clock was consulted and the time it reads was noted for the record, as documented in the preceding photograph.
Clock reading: 11:43
